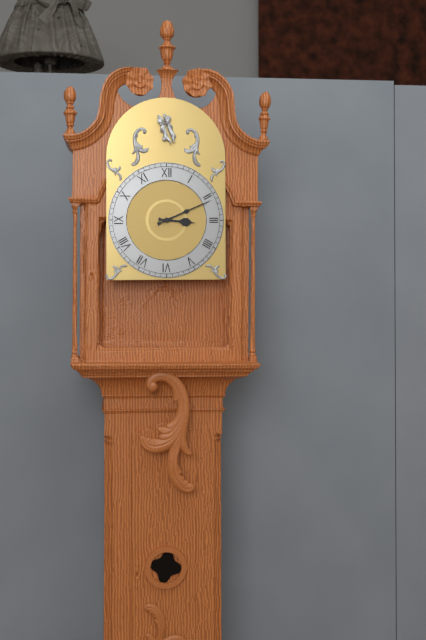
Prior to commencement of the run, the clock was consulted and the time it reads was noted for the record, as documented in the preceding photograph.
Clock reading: 3:11
